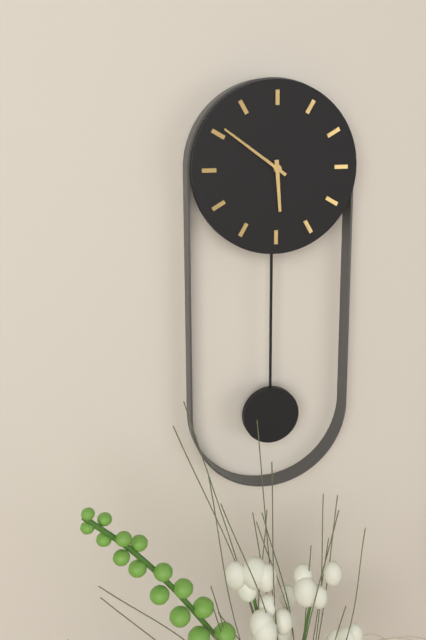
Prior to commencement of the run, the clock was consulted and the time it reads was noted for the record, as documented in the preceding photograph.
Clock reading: 5:51
